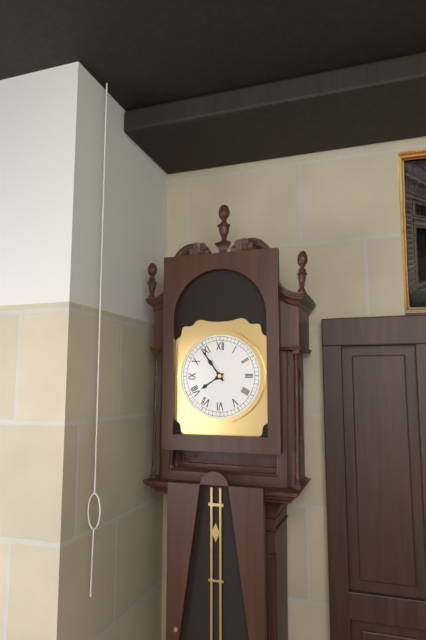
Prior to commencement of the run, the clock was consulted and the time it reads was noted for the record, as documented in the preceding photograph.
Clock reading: 7:54
